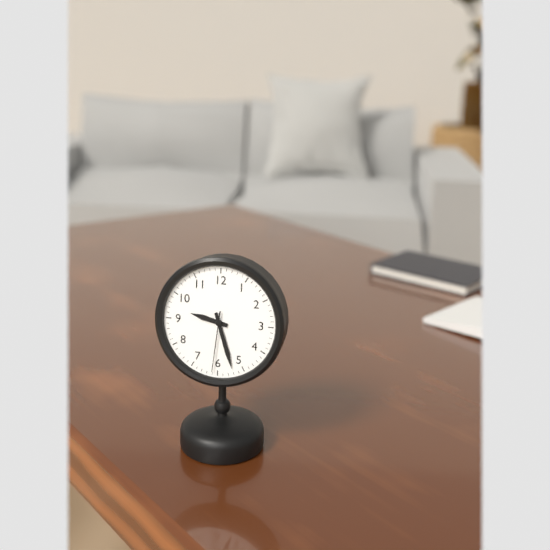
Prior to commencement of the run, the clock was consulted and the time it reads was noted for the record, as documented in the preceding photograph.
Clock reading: 9:27:31
